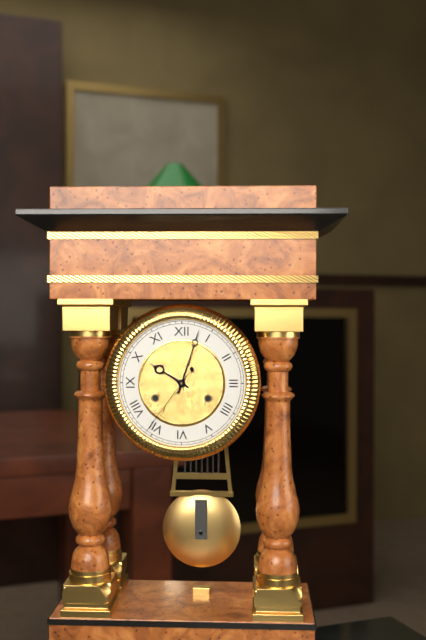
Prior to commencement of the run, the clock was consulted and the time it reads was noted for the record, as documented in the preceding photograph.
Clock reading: 10:03:36
